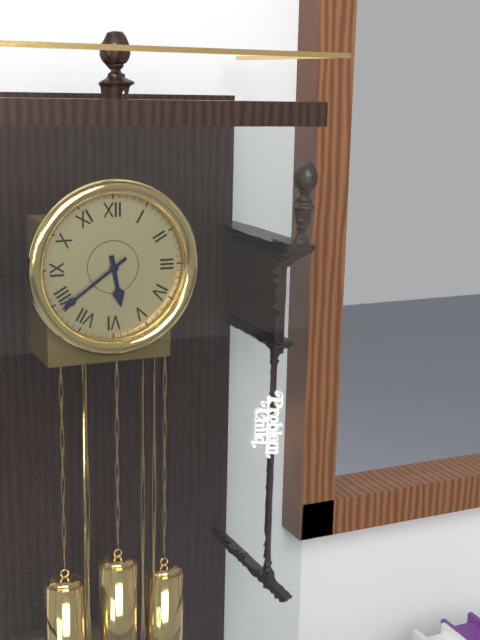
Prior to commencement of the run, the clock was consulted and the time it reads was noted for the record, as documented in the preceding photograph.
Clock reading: 5:39
